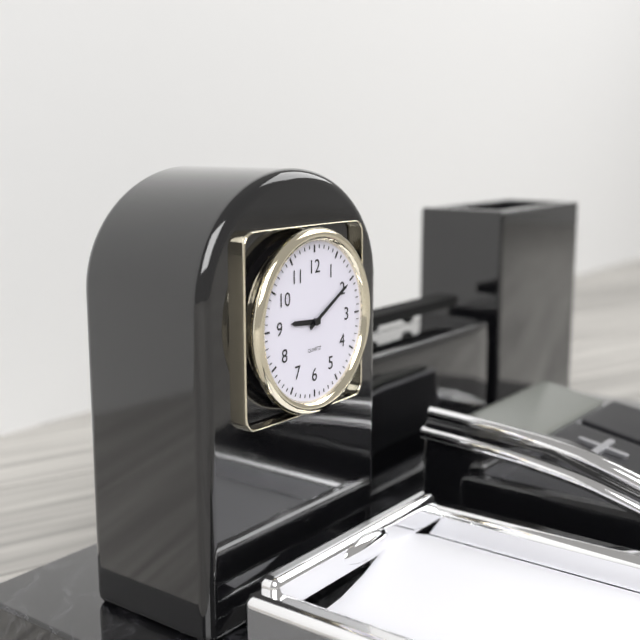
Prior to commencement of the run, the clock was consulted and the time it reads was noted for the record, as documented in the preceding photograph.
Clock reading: 9:10
